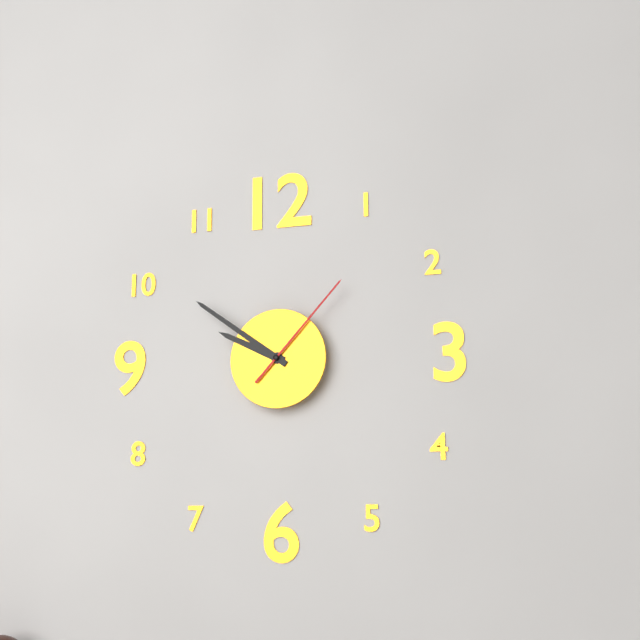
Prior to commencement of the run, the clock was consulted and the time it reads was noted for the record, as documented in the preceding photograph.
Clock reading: 9:51:07
